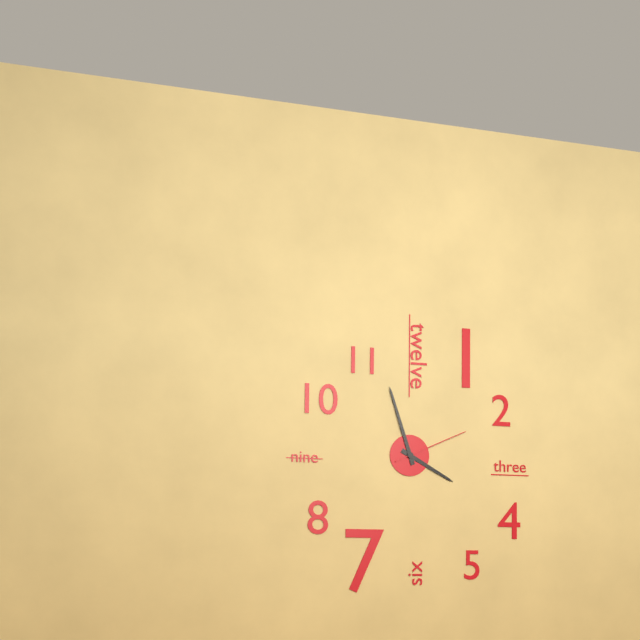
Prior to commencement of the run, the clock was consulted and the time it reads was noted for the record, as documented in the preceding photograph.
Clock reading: 3:57:11
